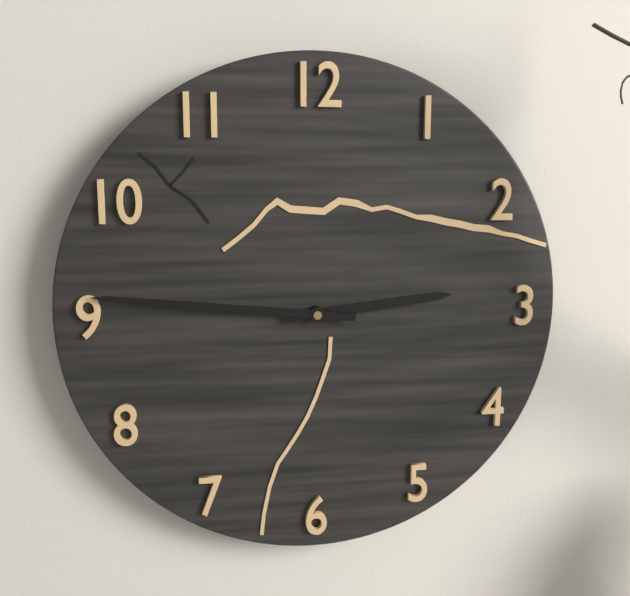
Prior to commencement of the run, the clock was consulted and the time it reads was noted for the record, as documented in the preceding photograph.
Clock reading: 2:46
